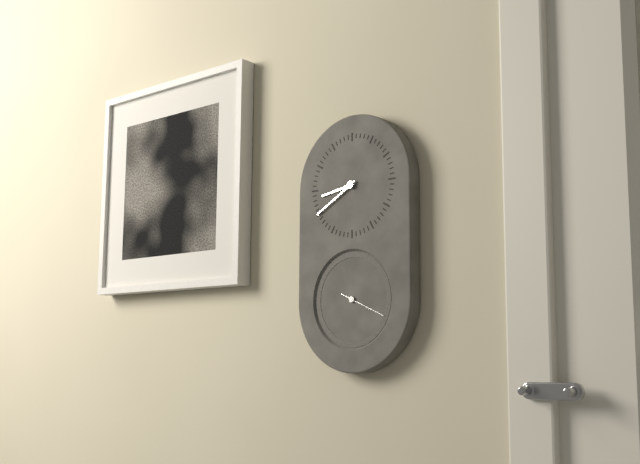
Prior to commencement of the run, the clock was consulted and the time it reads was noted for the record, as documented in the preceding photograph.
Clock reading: 8:40
